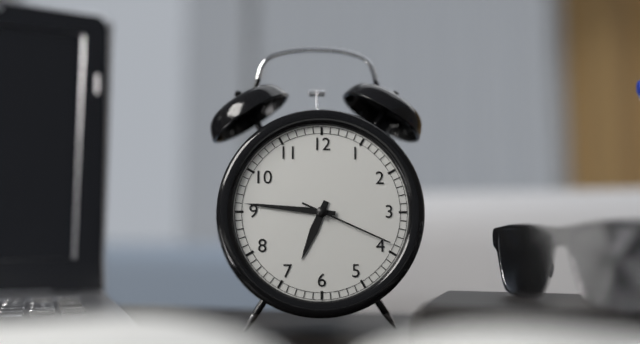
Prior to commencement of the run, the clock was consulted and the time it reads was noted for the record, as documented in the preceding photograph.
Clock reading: 6:46:19
